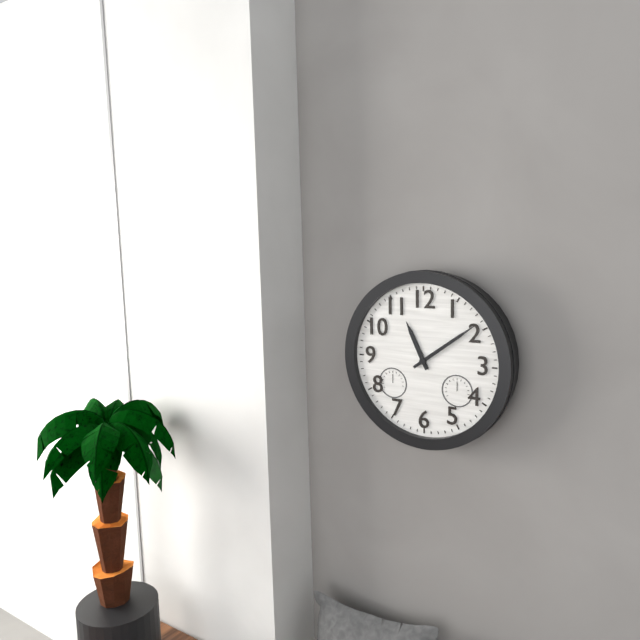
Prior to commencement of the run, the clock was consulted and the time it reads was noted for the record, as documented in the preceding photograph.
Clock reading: 11:09
